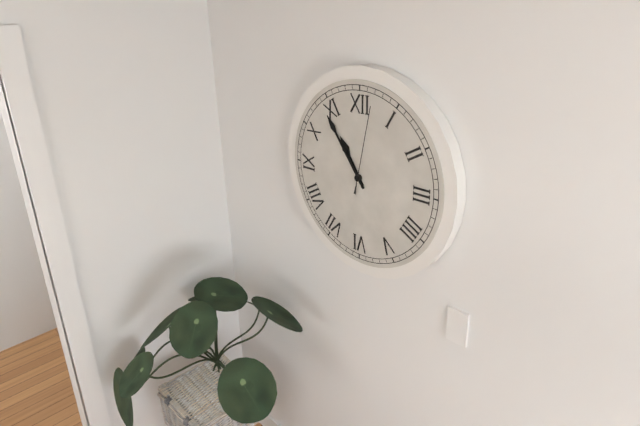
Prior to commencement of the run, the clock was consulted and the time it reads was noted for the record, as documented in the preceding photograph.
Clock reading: 10:54:02
